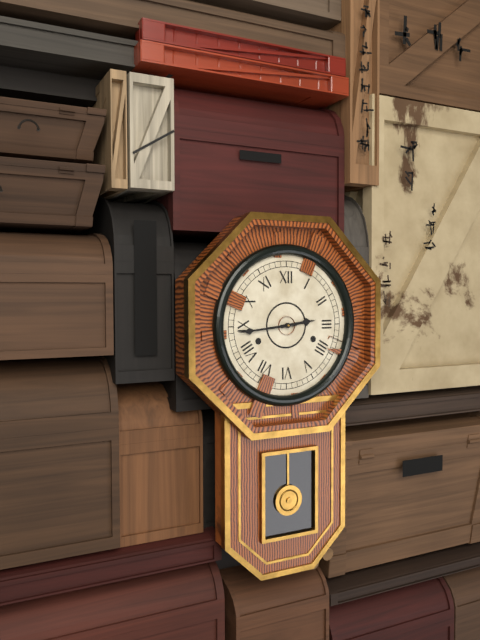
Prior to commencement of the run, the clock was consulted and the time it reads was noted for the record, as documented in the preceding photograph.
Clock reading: 2:44
